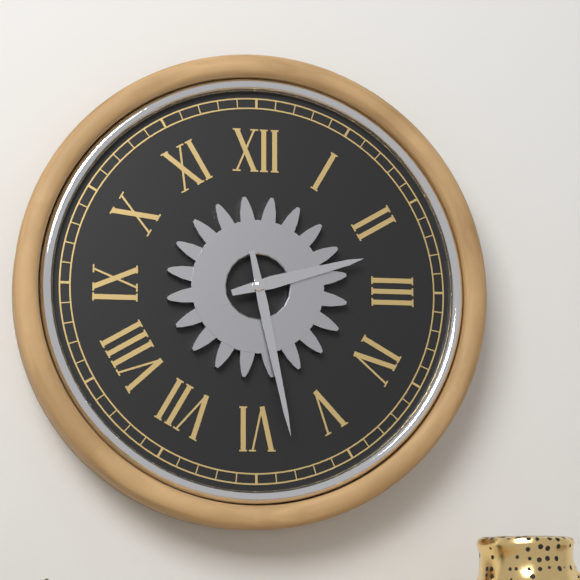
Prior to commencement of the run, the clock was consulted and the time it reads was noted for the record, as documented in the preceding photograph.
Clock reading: 2:28
